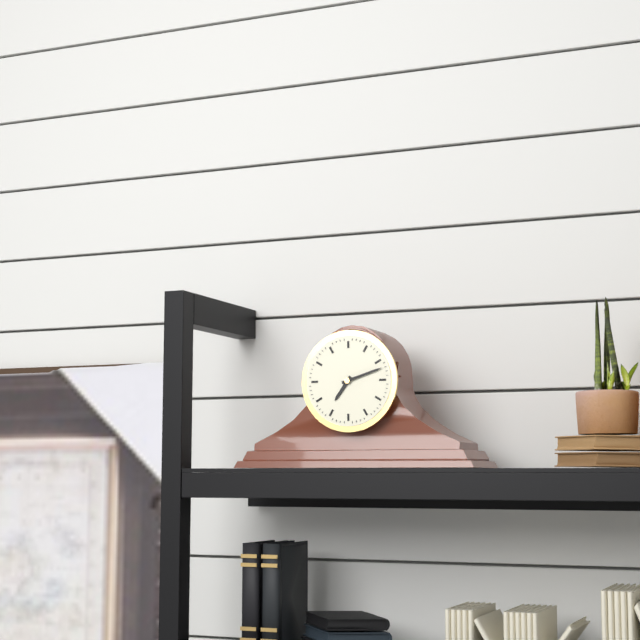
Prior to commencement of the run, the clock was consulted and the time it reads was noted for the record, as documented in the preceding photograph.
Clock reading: 7:12
